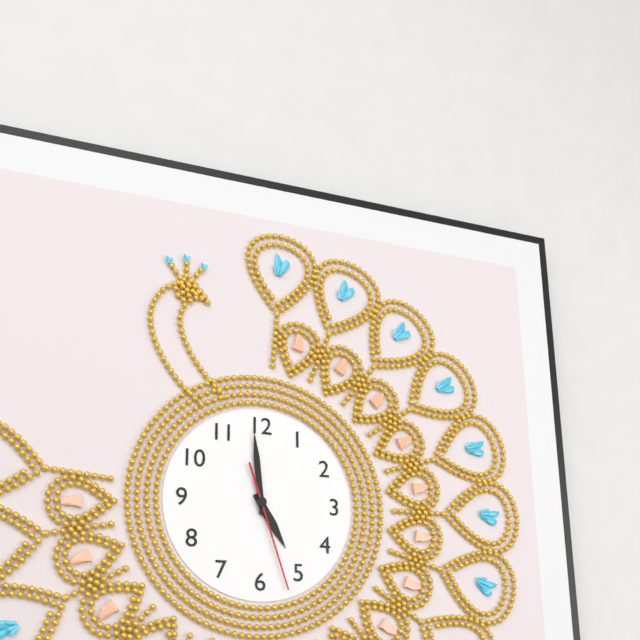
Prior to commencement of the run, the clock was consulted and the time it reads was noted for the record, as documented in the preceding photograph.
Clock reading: 4:59:27
